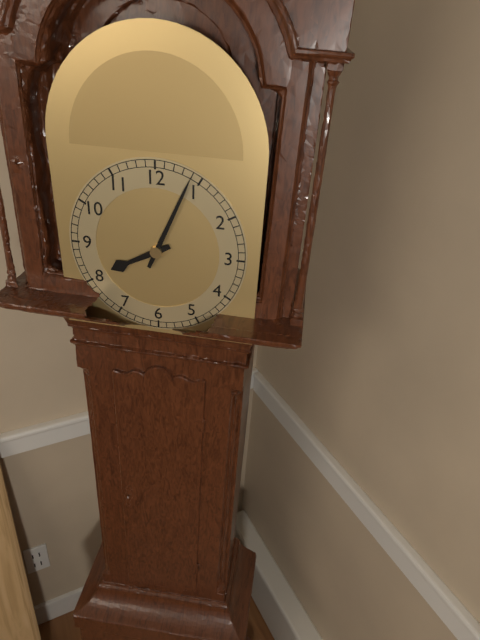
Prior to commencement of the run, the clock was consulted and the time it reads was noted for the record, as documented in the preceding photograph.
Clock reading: 8:04
